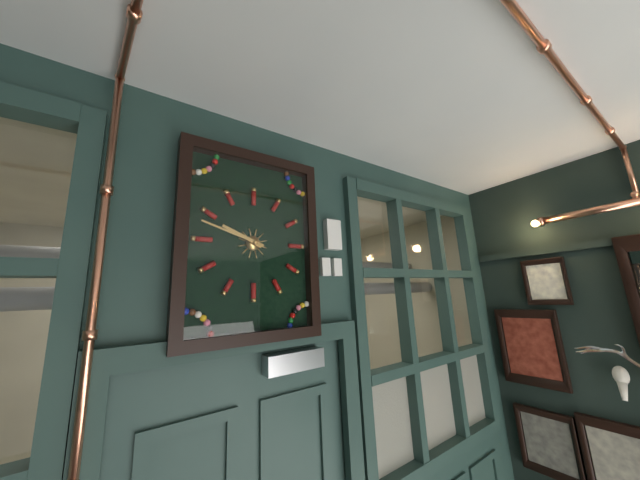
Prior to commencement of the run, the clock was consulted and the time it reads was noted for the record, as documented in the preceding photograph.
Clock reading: 9:48
